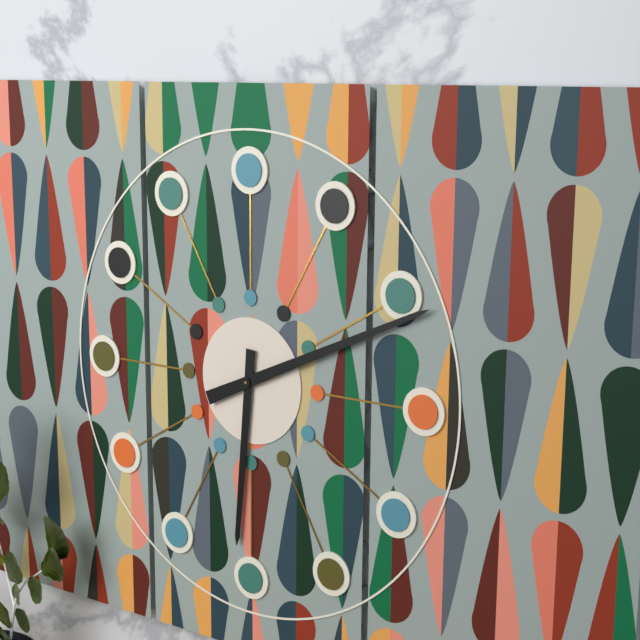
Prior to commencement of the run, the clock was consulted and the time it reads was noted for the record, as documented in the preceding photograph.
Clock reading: 6:11
